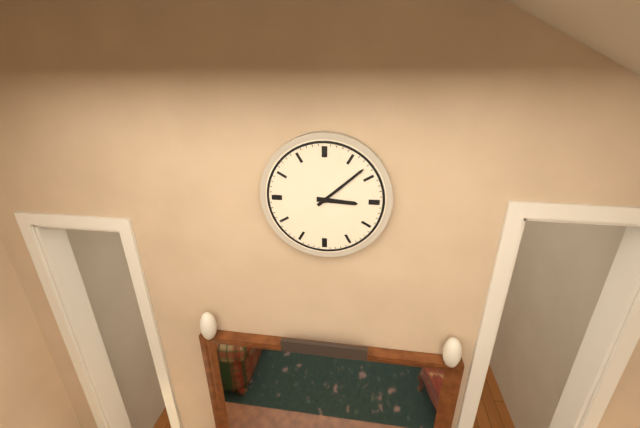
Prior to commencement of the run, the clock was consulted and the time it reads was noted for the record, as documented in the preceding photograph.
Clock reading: 3:08
